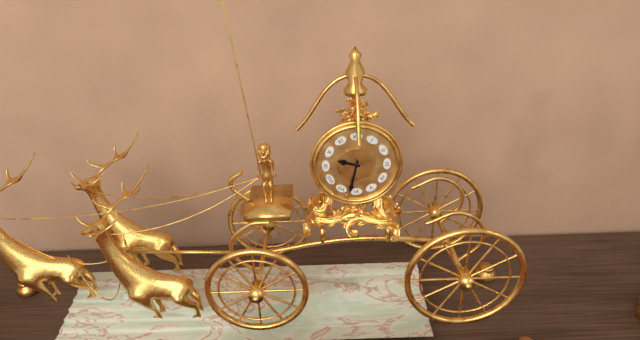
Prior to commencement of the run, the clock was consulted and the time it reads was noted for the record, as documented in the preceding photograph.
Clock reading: 9:32
